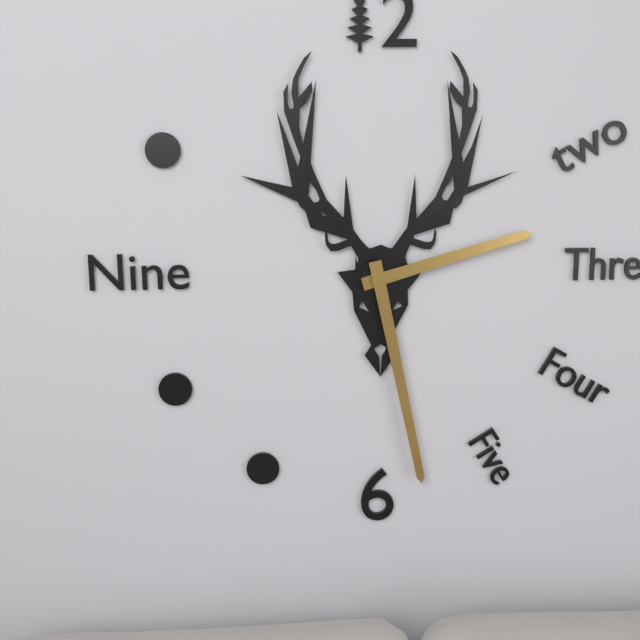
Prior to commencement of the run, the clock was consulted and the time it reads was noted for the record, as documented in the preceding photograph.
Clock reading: 2:28
